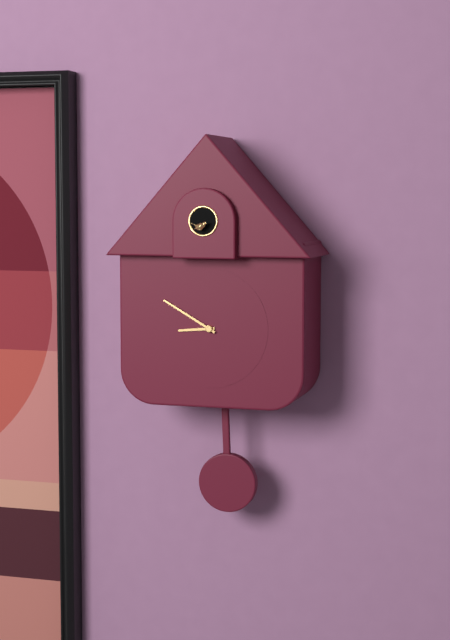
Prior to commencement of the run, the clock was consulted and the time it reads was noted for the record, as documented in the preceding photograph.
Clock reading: 8:50
